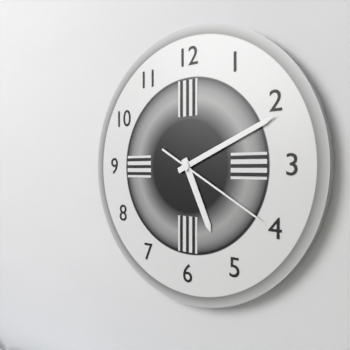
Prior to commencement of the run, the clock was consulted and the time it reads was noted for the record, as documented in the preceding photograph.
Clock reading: 5:11:20
